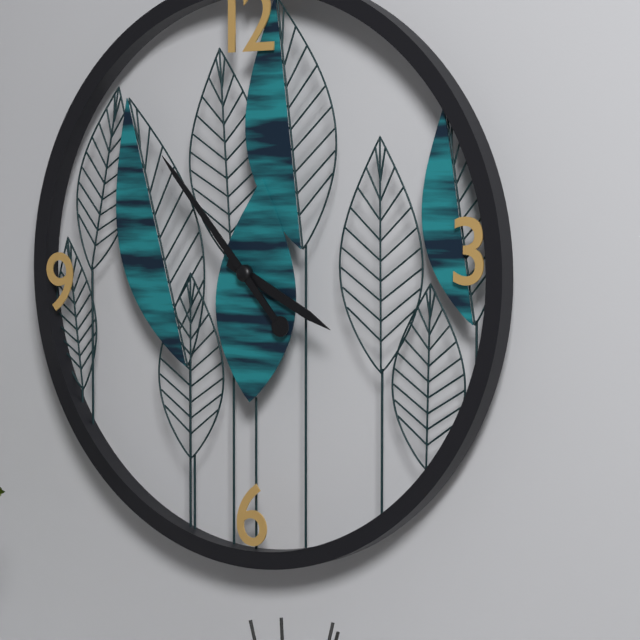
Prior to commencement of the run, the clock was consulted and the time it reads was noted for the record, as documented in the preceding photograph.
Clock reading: 3:53
